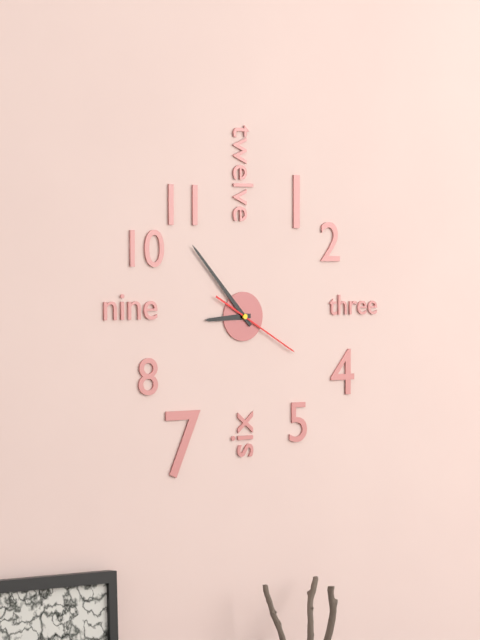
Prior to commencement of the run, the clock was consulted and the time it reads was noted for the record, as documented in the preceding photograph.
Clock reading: 8:53:20
